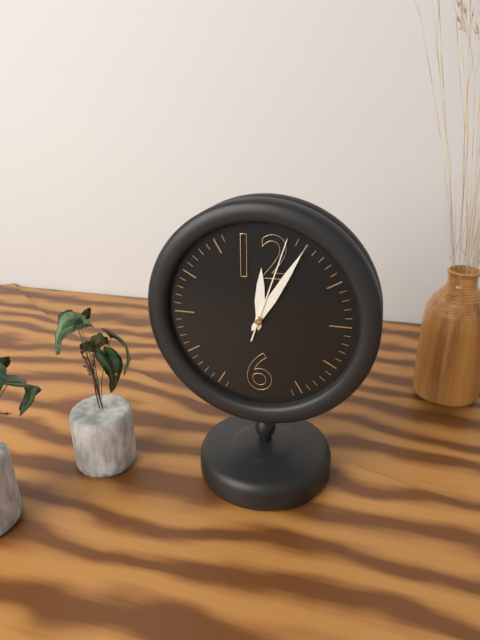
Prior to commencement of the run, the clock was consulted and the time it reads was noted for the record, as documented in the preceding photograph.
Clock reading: 12:05:03
